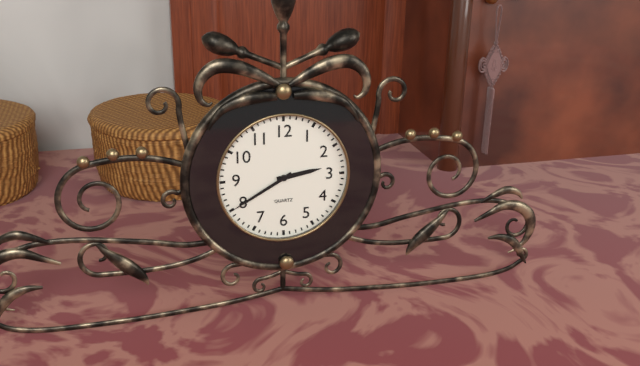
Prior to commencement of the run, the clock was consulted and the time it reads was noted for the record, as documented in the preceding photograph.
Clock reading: 2:40
